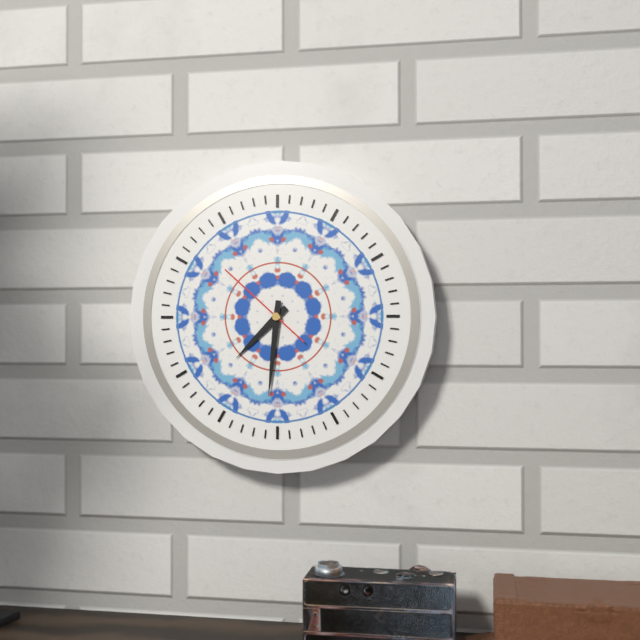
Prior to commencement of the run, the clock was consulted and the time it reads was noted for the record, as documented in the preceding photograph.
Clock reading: 7:31:52
